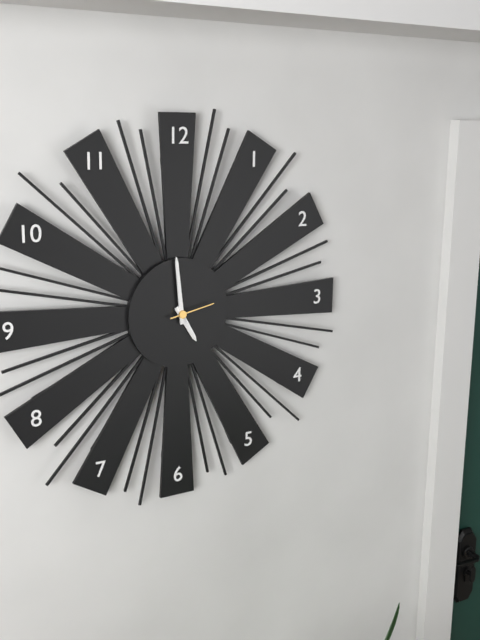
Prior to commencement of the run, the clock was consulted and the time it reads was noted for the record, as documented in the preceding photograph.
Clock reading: 4:59:13
